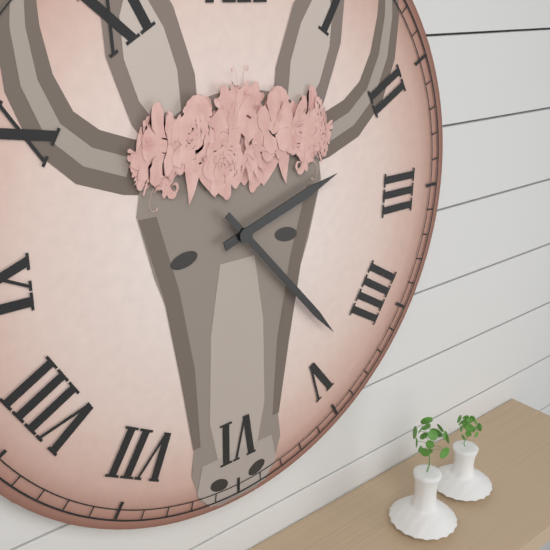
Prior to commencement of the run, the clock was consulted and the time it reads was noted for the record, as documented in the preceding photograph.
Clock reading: 2:23
